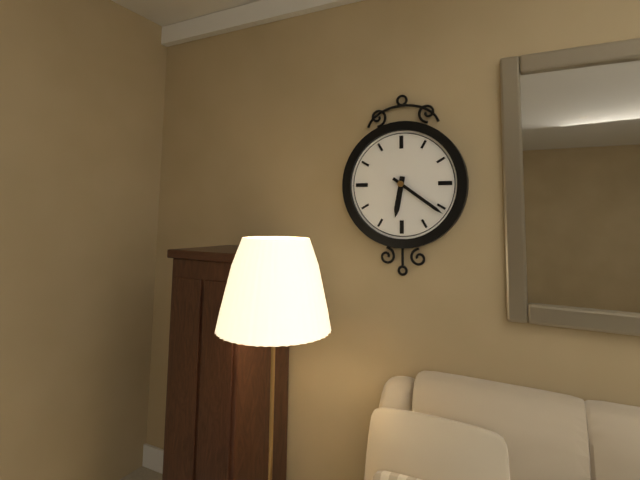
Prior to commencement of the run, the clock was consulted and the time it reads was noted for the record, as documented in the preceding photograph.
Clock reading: 6:21
